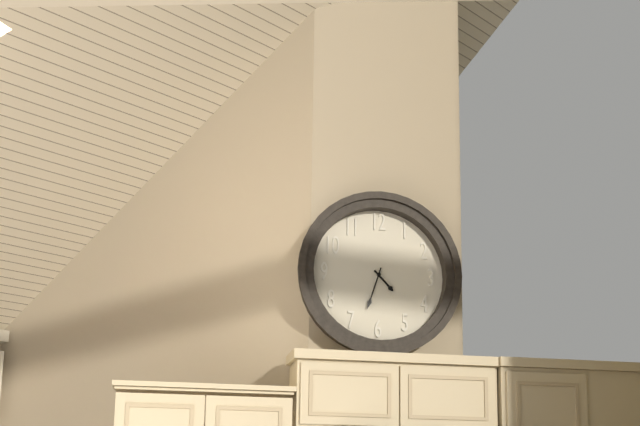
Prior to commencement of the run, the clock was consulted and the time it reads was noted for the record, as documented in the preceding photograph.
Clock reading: 4:33
